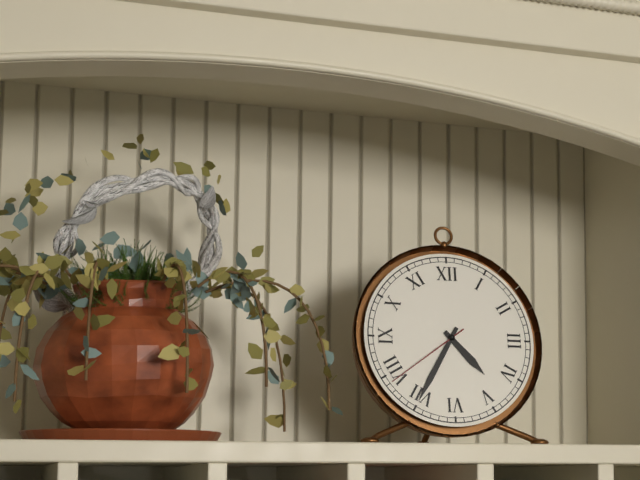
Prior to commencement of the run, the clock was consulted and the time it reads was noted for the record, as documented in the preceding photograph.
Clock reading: 4:35:39
